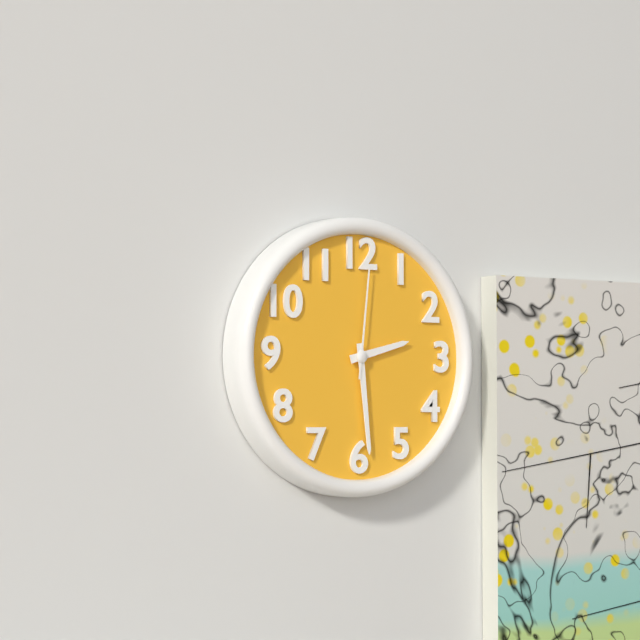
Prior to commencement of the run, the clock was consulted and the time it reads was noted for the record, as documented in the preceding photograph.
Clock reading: 2:29:01
